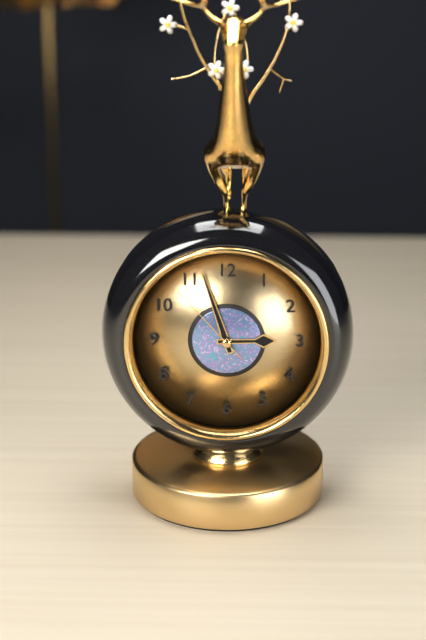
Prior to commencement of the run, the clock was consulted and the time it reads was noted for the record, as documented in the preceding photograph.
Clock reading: 2:57:53
